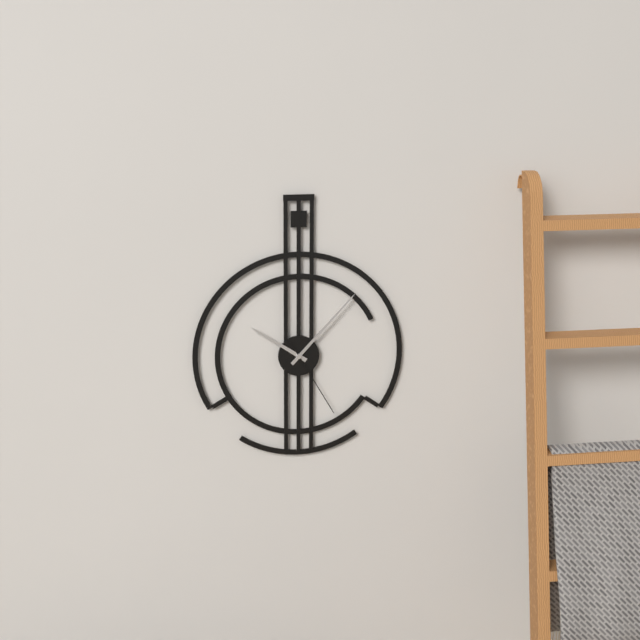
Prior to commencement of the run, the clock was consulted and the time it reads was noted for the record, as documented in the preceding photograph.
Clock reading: 10:07:25
